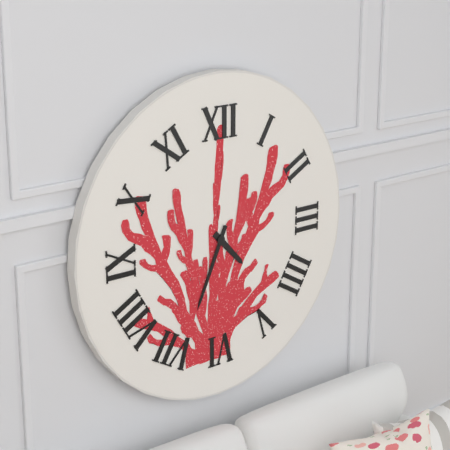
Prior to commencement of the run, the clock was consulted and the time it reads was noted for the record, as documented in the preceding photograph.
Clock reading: 4:34
